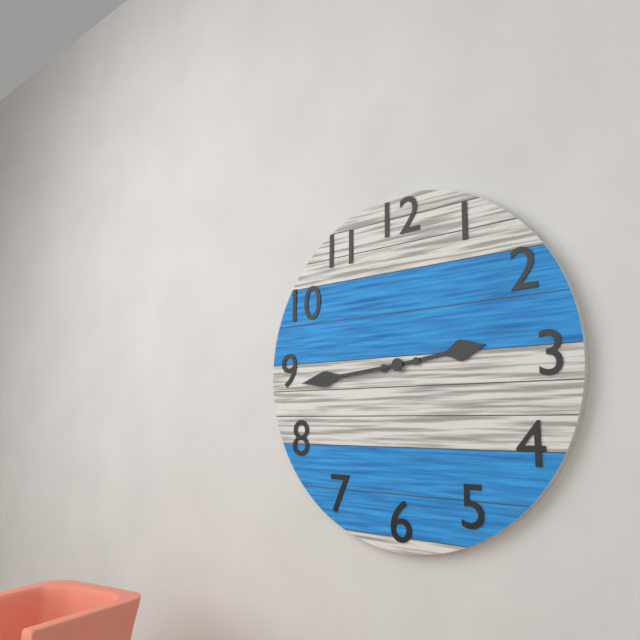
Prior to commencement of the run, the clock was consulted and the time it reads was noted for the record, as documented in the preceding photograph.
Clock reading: 2:44
